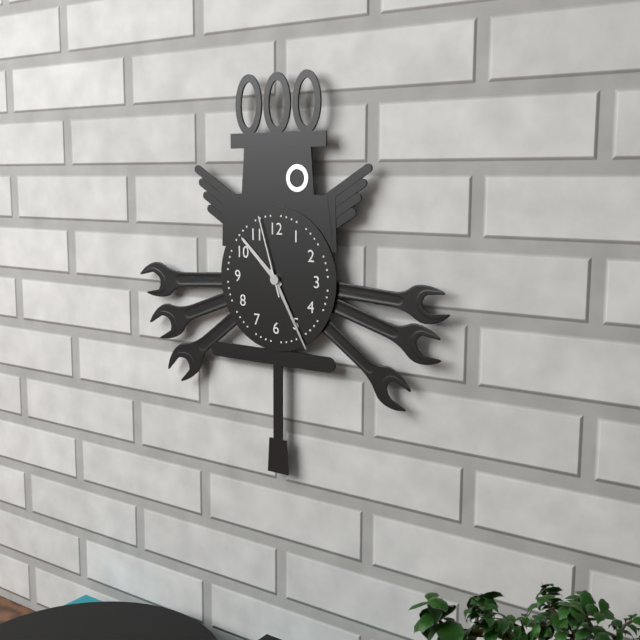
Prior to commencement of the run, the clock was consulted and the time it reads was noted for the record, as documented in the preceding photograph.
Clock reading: 10:25:57
